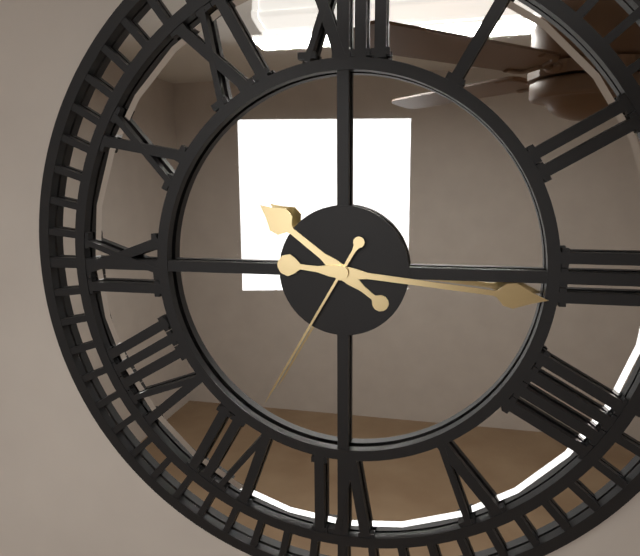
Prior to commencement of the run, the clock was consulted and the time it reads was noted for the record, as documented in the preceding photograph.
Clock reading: 10:16:35
